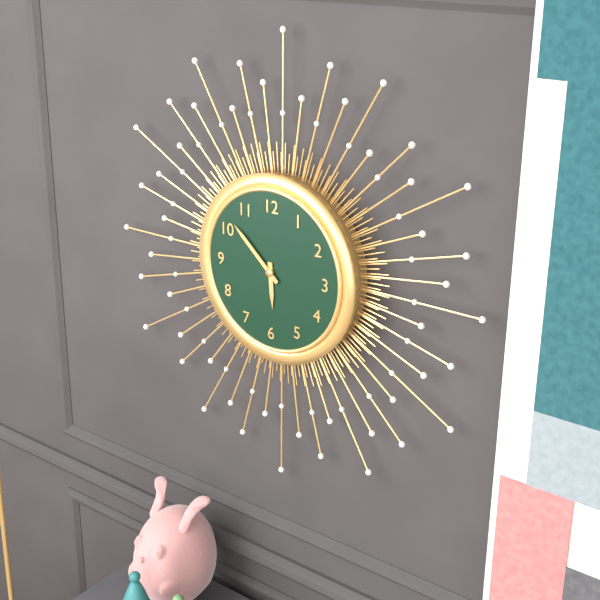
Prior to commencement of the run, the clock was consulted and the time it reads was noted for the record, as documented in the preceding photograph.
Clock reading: 5:52
